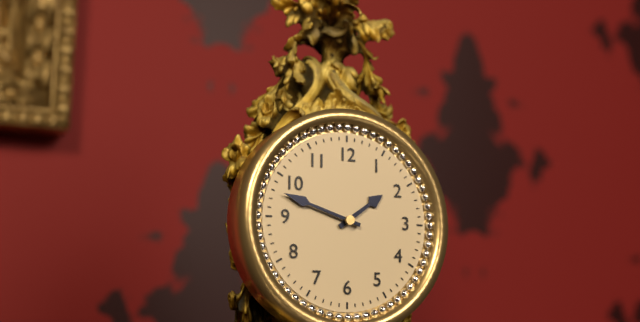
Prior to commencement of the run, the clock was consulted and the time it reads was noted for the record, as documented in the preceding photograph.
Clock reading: 1:48
